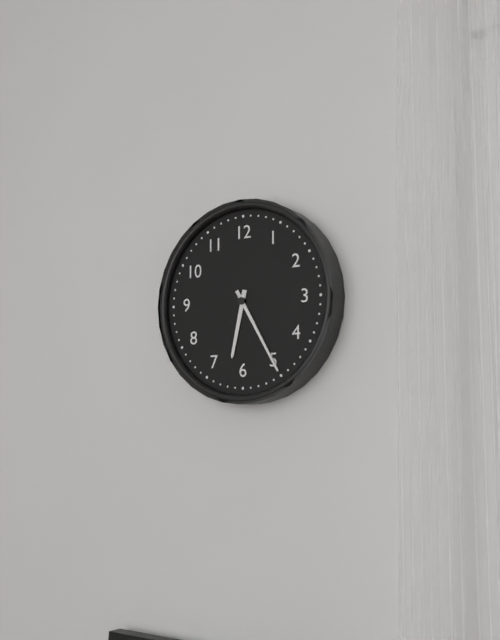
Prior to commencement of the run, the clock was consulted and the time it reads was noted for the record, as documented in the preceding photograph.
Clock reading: 6:25
